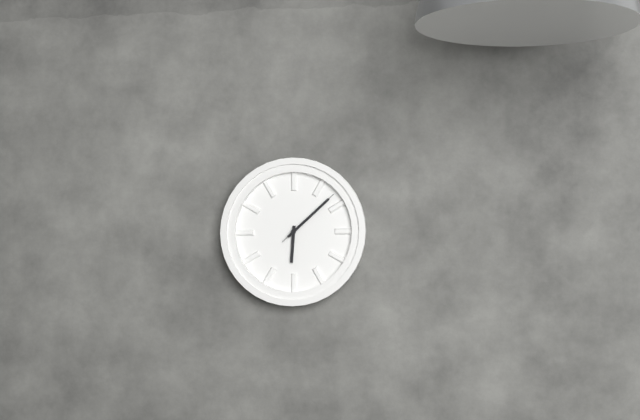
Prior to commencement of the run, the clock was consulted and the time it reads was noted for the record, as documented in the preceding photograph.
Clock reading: 6:08:08
